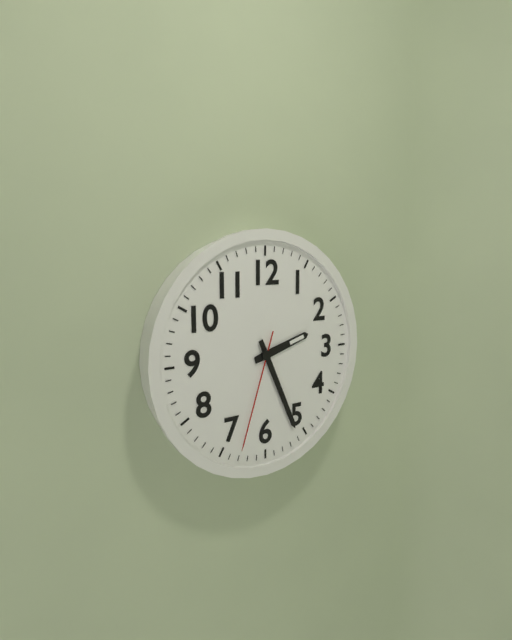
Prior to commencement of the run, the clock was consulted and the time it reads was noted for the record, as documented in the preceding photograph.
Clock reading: 2:26:33
